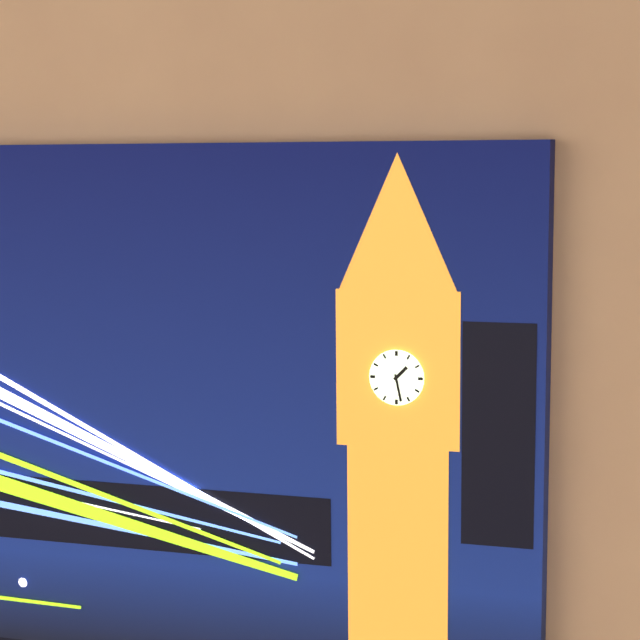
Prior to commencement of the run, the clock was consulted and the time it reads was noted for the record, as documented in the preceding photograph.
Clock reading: 1:28
